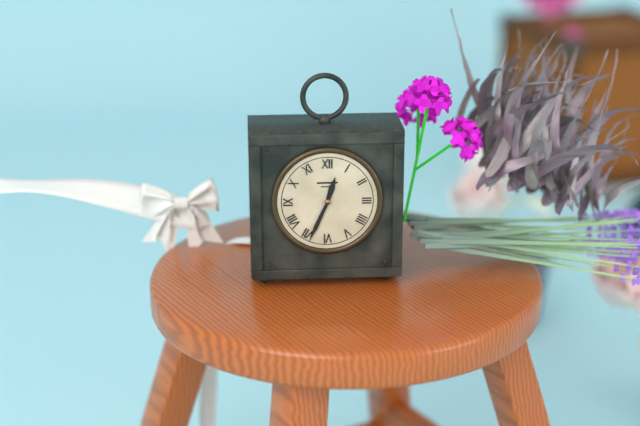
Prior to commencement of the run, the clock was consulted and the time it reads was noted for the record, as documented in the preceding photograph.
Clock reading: 12:34
